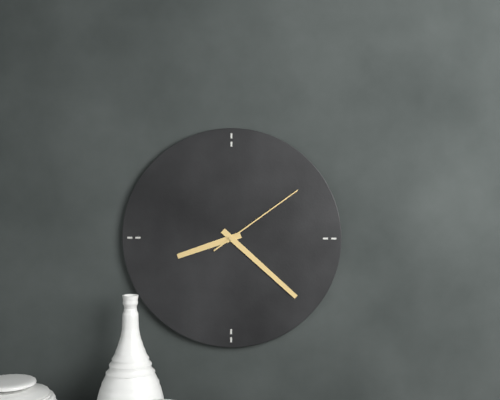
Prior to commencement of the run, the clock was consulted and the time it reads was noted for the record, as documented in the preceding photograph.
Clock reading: 8:22:09
